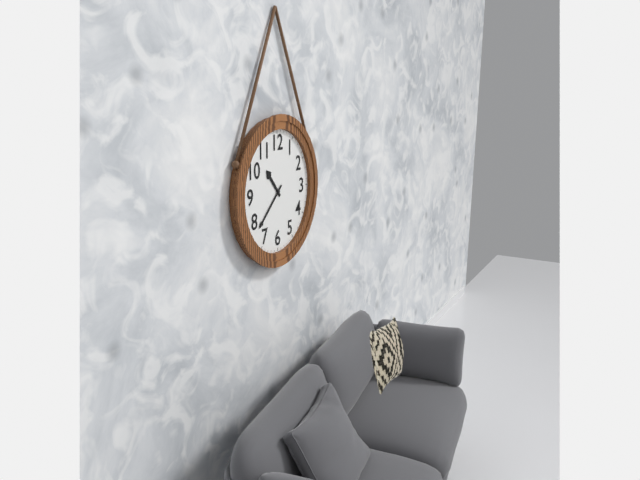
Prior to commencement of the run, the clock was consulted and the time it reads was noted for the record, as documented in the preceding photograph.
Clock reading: 10:38
